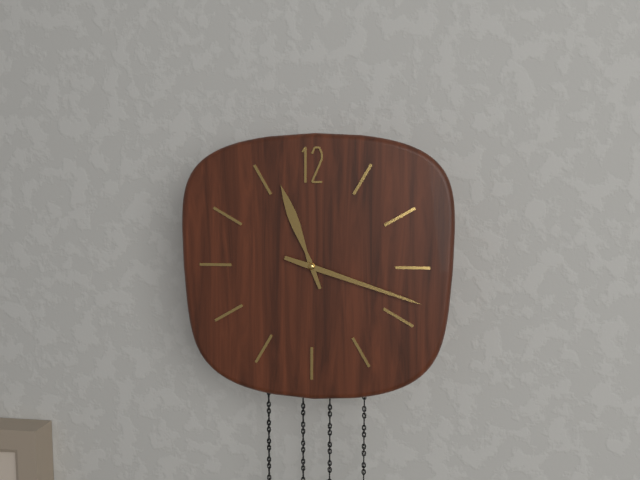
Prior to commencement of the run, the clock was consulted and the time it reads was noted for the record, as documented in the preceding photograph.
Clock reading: 11:18
